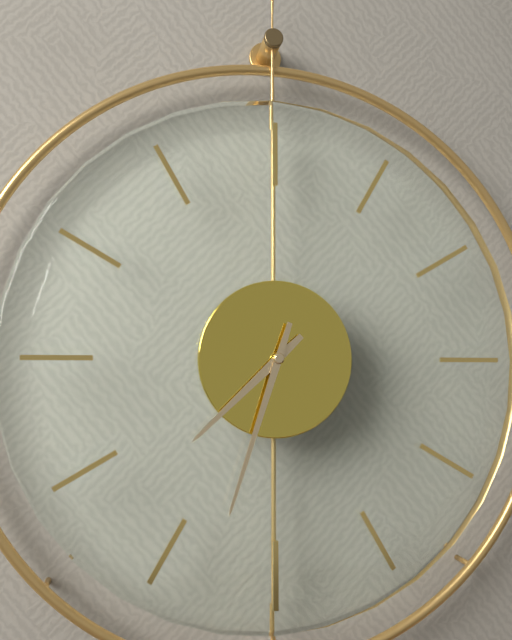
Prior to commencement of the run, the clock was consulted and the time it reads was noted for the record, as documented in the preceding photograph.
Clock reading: 7:33
